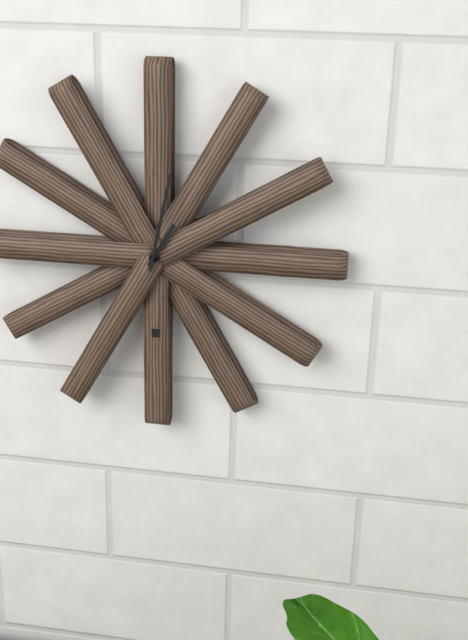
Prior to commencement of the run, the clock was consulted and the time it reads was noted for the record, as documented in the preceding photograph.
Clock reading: 1:02
